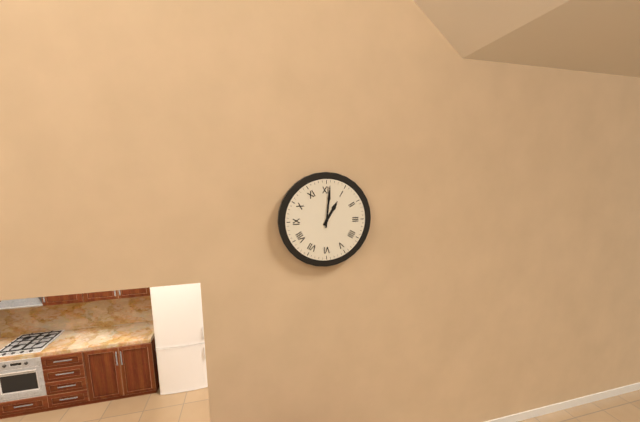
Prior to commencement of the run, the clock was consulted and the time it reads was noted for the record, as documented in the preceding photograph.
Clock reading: 1:01
